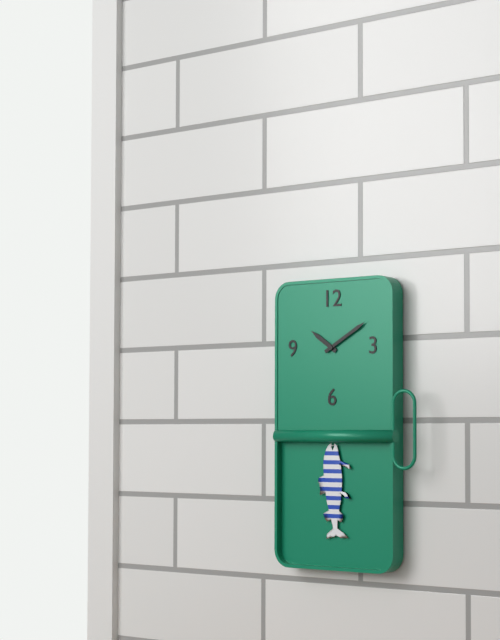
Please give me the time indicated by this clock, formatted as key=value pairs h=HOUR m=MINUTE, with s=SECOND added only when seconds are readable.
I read h=10 m=10
